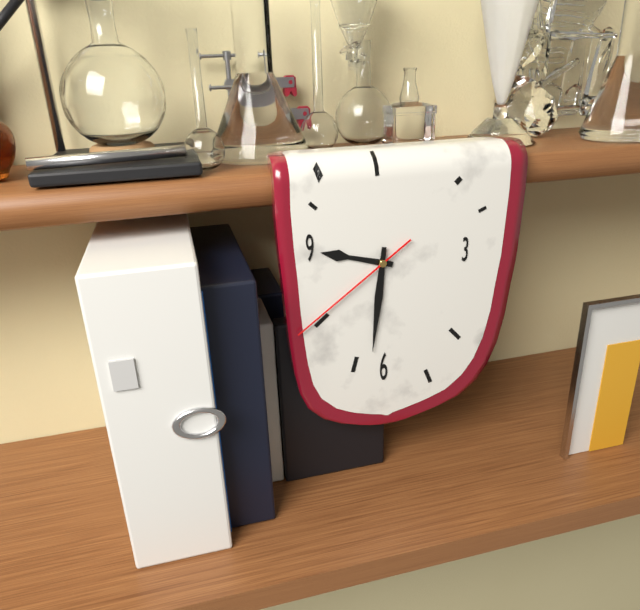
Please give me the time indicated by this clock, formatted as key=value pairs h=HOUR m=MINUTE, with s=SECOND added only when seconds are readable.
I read h=9 m=31 s=39
